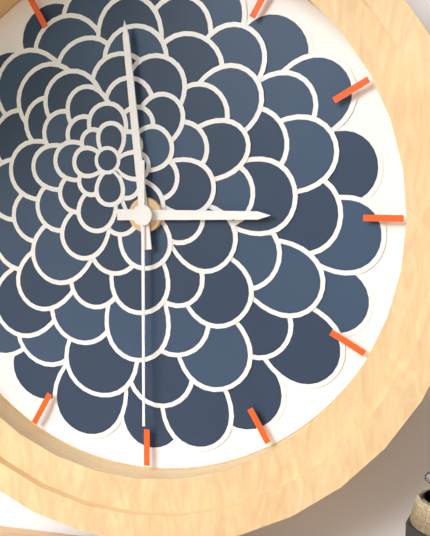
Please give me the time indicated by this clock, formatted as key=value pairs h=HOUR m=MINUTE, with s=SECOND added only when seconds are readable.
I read h=2 m=59 s=30
